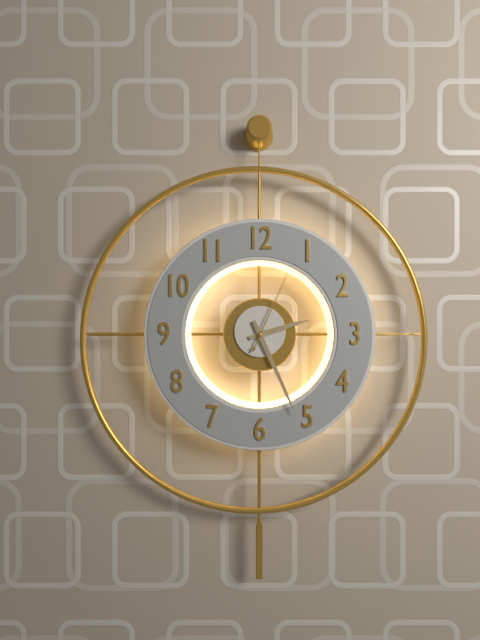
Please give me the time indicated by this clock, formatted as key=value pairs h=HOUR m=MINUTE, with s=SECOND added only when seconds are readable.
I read h=2 m=26 s=4
